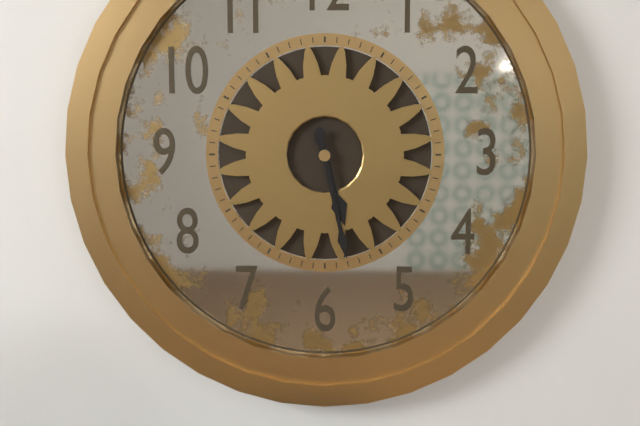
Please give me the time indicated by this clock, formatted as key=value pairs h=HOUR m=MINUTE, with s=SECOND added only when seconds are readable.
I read h=5 m=28
